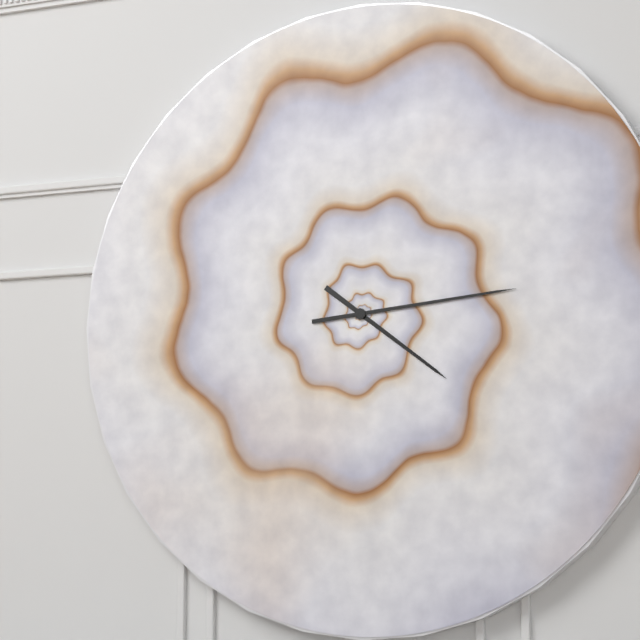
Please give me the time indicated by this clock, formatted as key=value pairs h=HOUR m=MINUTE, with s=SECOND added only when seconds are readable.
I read h=4 m=14
